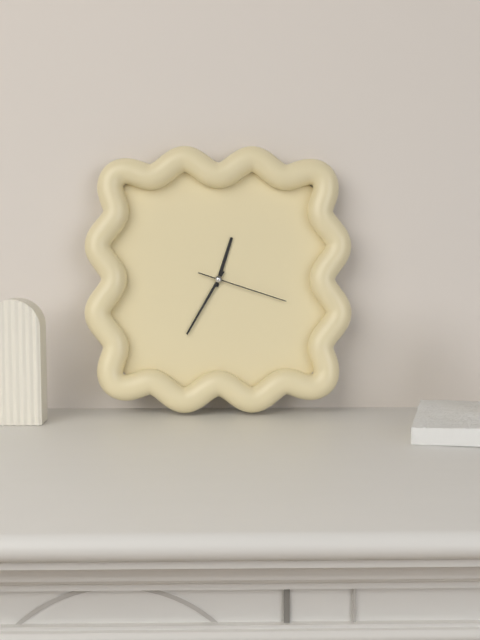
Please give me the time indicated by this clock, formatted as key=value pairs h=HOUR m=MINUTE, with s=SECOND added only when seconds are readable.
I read h=12 m=35 s=18
